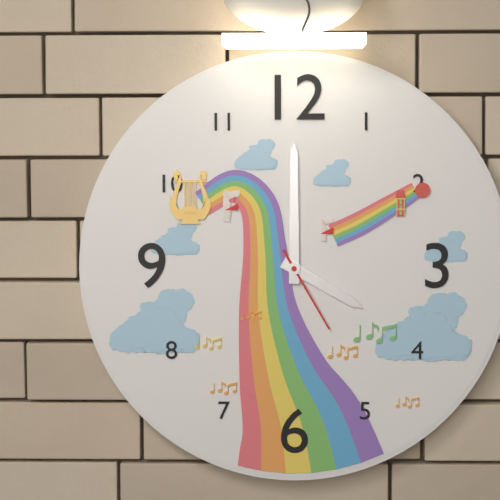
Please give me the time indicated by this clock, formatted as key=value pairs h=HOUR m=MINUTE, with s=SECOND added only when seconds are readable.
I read h=4 m=0 s=25
